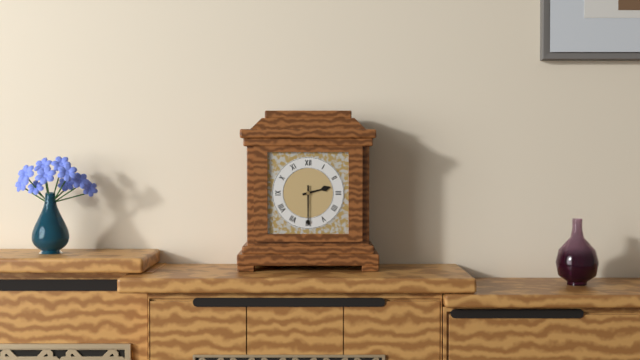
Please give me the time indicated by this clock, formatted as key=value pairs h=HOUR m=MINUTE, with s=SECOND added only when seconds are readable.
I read h=2 m=30
